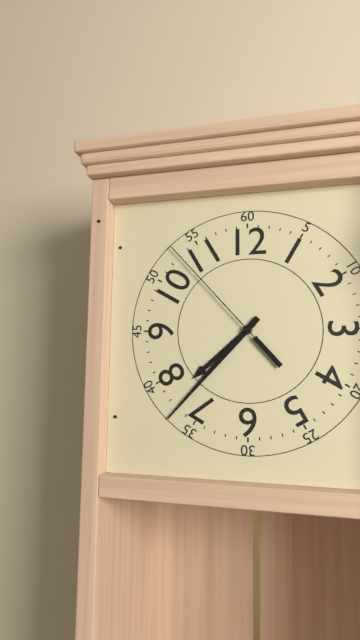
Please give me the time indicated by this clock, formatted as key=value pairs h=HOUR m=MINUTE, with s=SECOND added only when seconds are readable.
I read h=7 m=37 s=53
